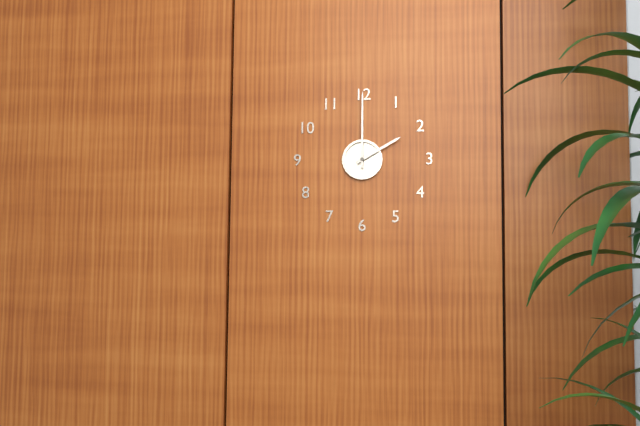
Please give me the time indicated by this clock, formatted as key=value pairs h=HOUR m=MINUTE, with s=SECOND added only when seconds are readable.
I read h=2 m=0
